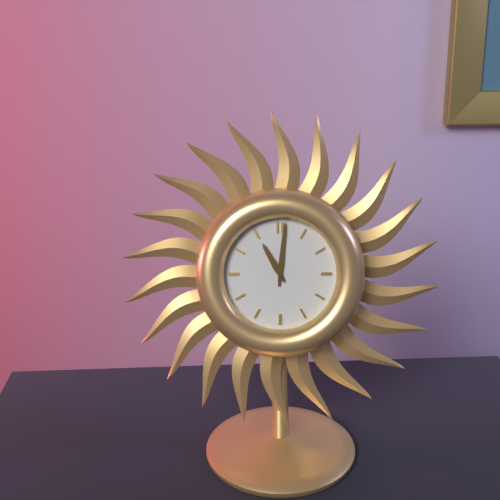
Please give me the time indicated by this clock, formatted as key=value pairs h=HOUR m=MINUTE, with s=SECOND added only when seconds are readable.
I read h=11 m=1
